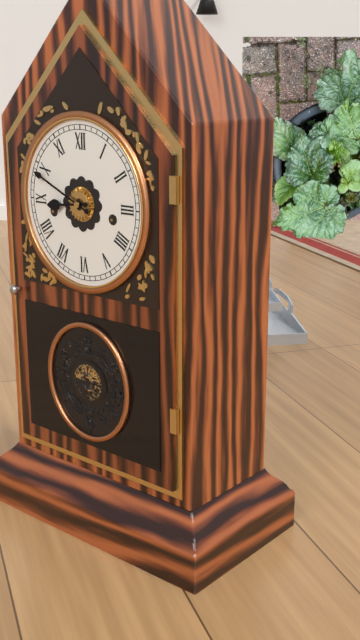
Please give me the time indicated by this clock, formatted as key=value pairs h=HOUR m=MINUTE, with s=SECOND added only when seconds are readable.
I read h=8 m=49
